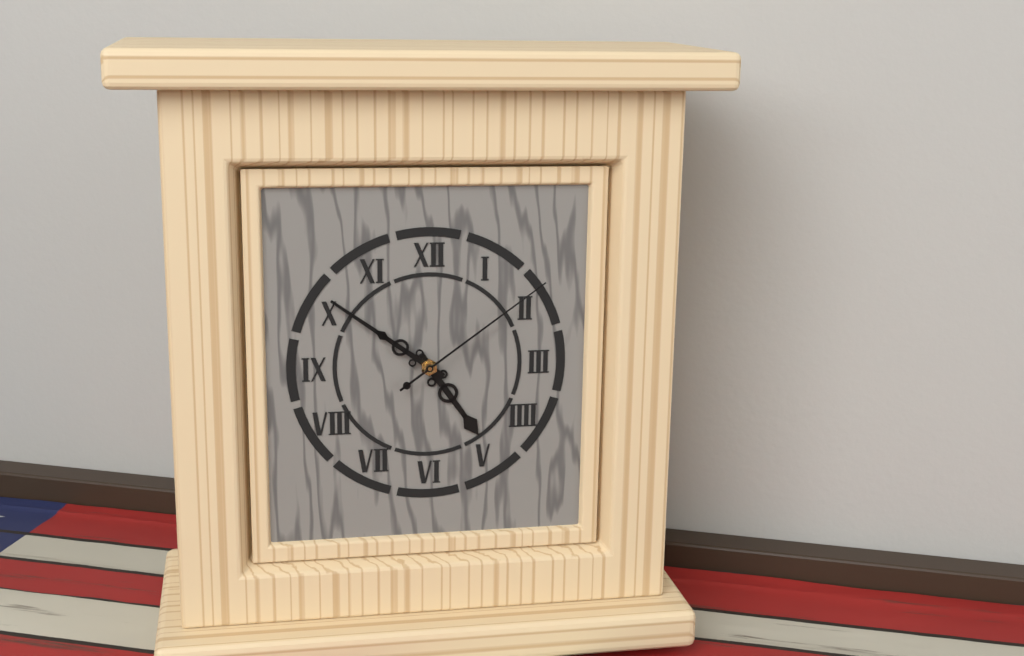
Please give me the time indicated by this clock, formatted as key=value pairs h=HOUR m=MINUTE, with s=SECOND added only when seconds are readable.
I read h=4 m=51 s=9
